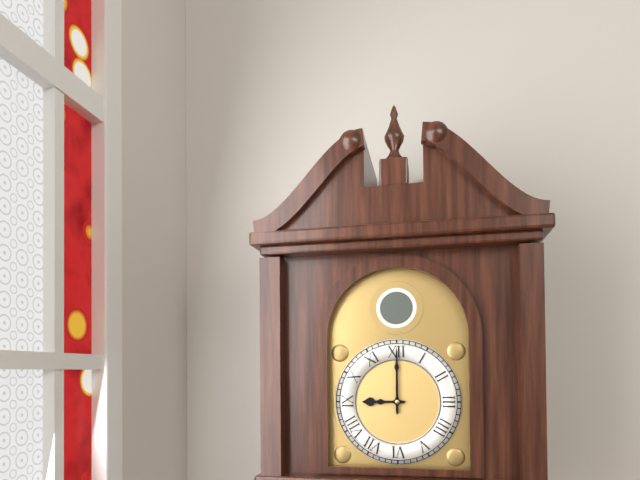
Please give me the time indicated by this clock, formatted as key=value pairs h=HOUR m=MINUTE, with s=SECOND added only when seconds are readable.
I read h=9 m=0
